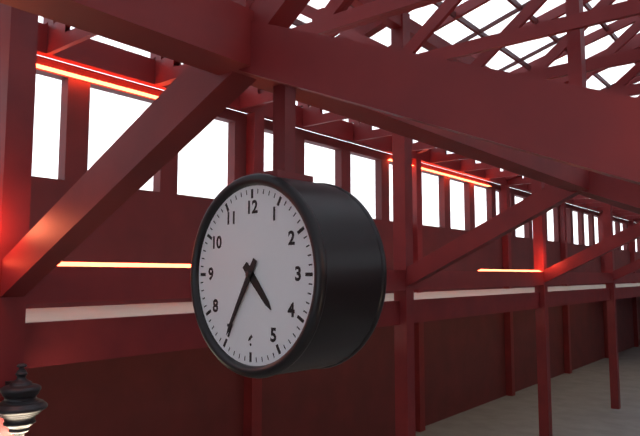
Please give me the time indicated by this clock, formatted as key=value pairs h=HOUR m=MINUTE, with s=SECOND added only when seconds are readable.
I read h=4 m=35
